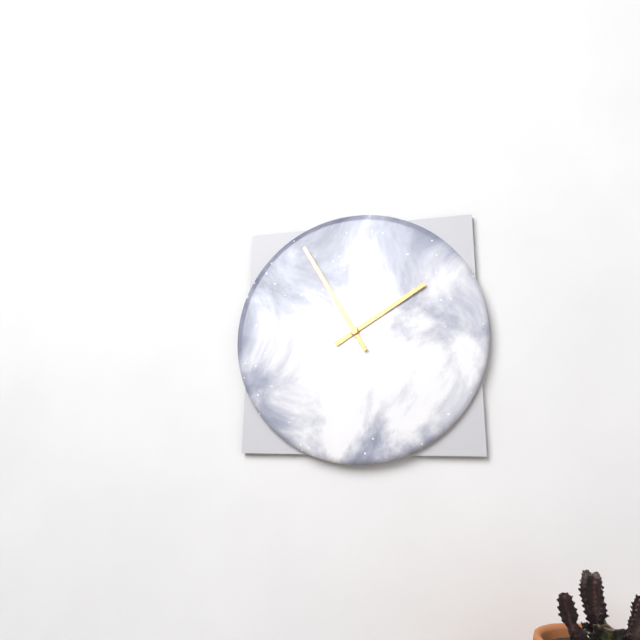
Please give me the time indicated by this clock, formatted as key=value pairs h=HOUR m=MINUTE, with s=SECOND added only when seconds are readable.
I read h=1 m=55
